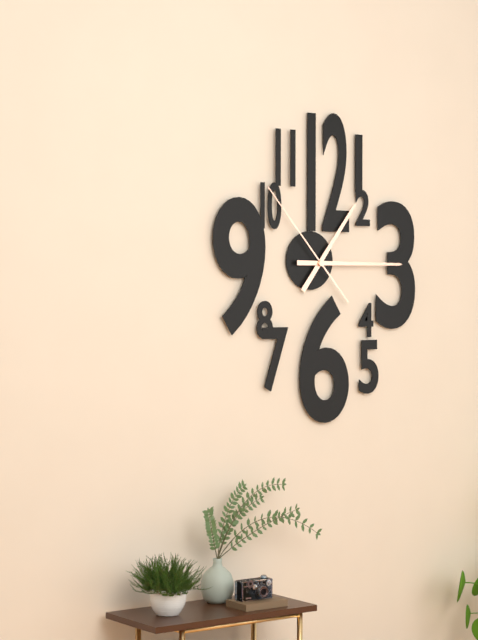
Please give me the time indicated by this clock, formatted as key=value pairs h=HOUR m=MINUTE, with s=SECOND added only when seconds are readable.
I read h=1 m=15 s=53
